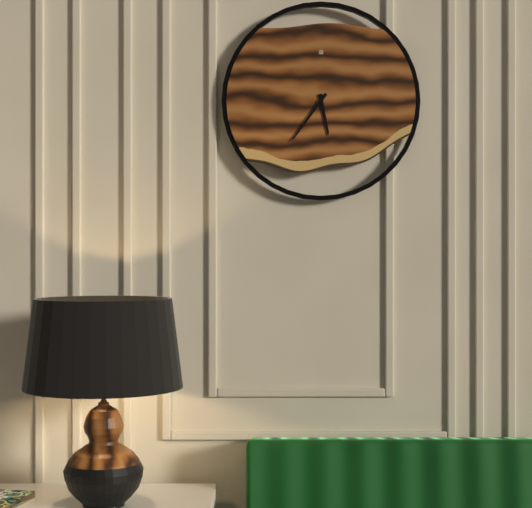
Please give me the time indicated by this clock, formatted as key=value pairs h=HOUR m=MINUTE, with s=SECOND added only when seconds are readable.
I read h=5 m=36
